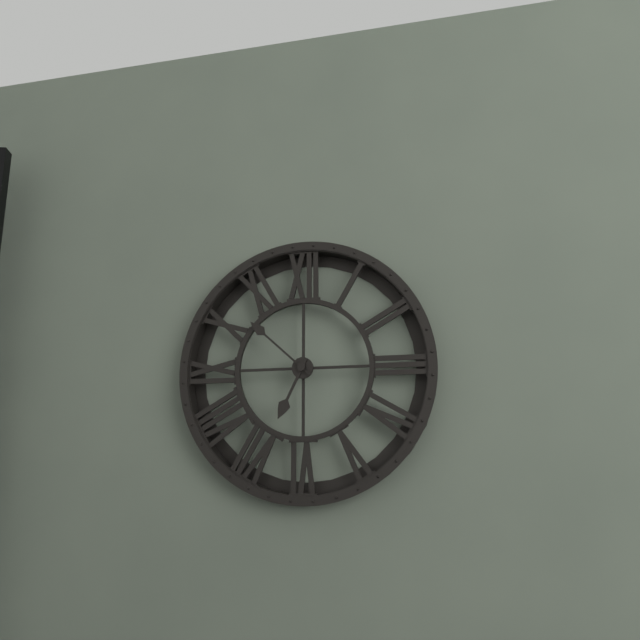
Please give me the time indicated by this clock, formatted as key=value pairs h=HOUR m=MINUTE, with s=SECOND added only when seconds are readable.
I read h=6 m=52
